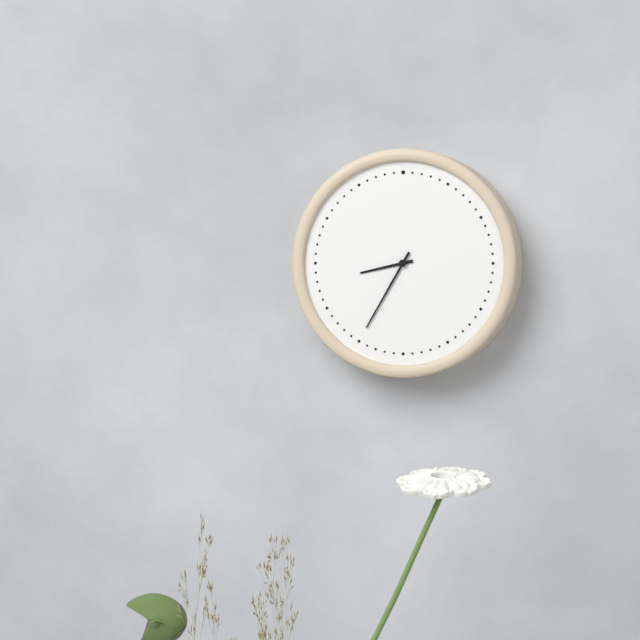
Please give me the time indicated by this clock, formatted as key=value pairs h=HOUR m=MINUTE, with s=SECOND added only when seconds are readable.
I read h=8 m=35
